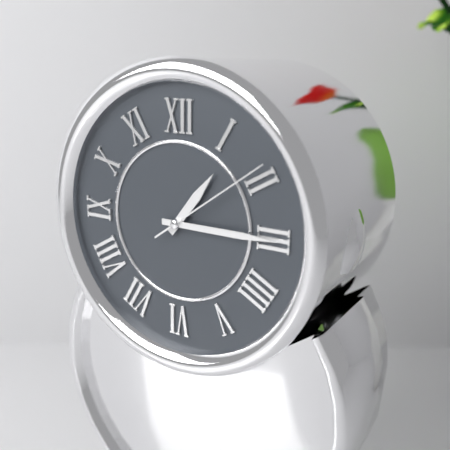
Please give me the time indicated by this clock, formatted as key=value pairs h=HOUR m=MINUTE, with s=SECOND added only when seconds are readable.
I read h=1 m=15 s=9
